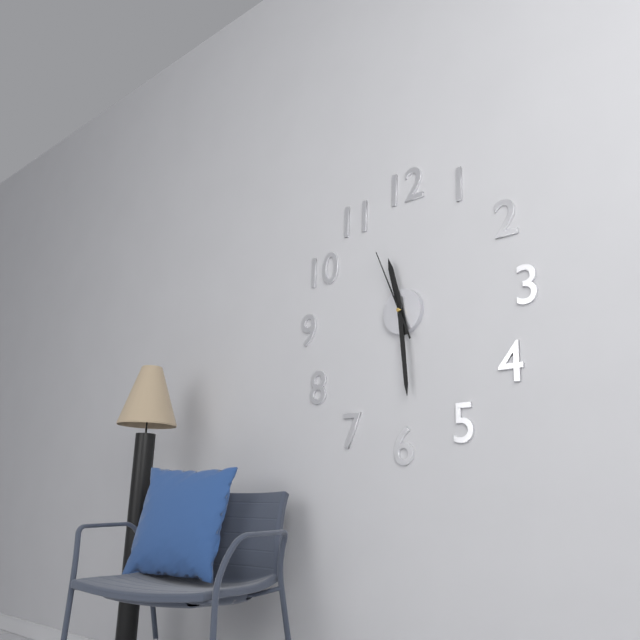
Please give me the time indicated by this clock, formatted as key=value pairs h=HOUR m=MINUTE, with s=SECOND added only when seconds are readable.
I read h=11 m=29 s=56
